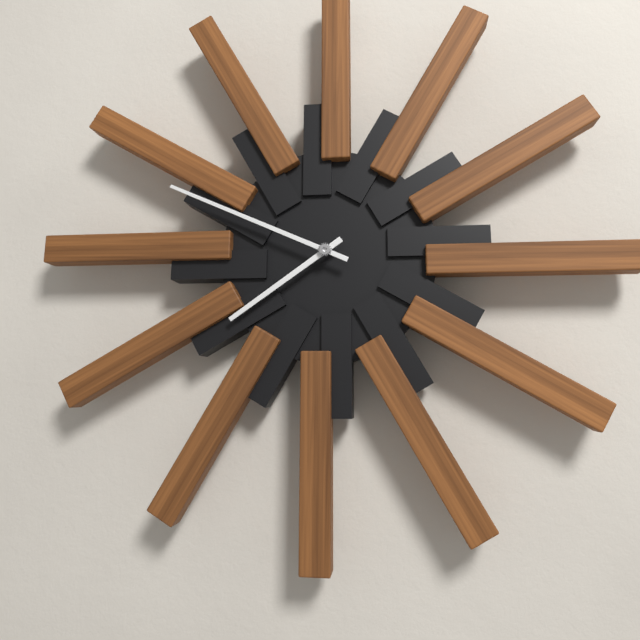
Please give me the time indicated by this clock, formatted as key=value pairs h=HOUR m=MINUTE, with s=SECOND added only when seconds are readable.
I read h=7 m=49
